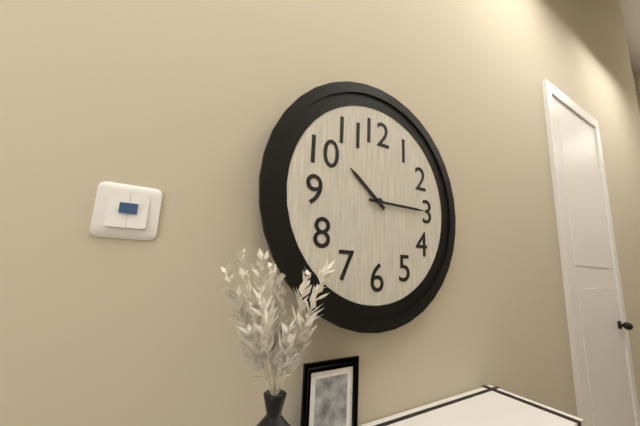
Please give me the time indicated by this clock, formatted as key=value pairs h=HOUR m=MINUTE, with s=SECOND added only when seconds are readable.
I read h=10 m=15
